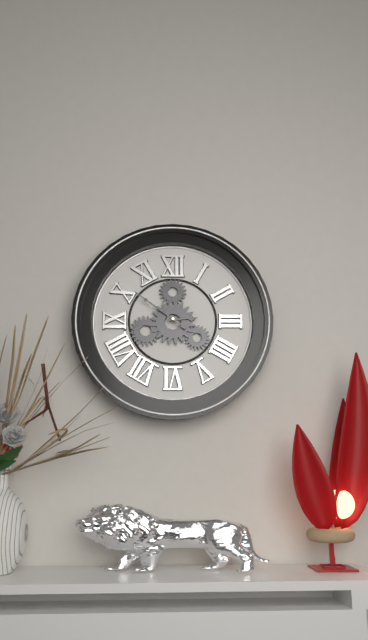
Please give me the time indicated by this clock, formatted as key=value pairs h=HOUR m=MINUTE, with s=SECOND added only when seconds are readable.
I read h=2 m=51
